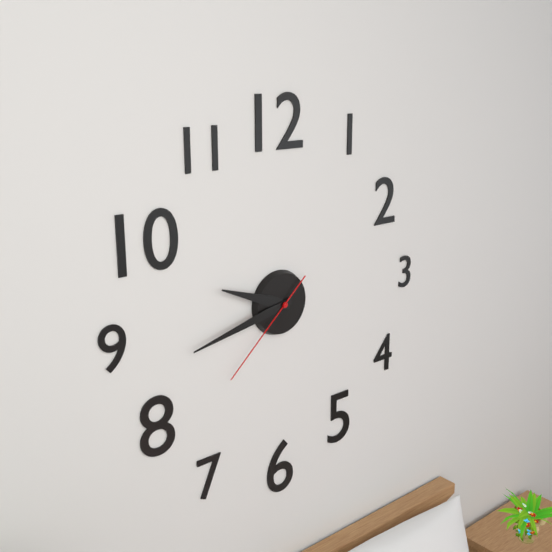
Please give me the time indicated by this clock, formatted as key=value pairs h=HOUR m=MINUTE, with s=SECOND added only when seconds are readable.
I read h=9 m=43 s=38
